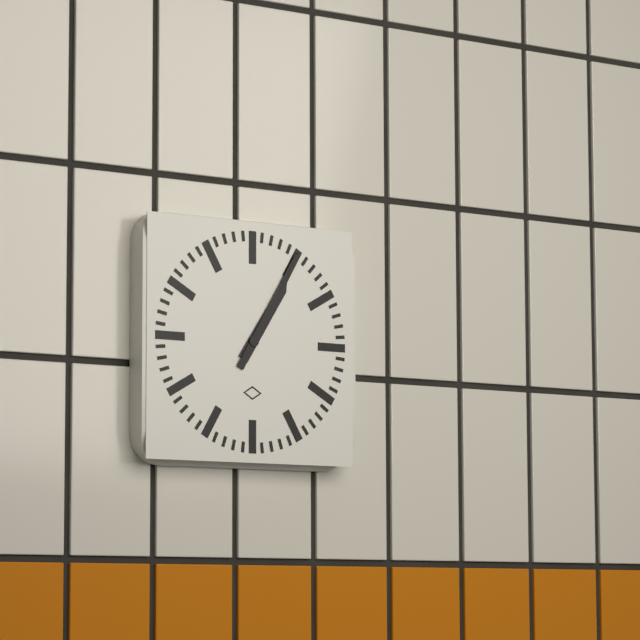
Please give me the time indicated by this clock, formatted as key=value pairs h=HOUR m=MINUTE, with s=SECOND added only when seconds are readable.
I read h=1 m=5
